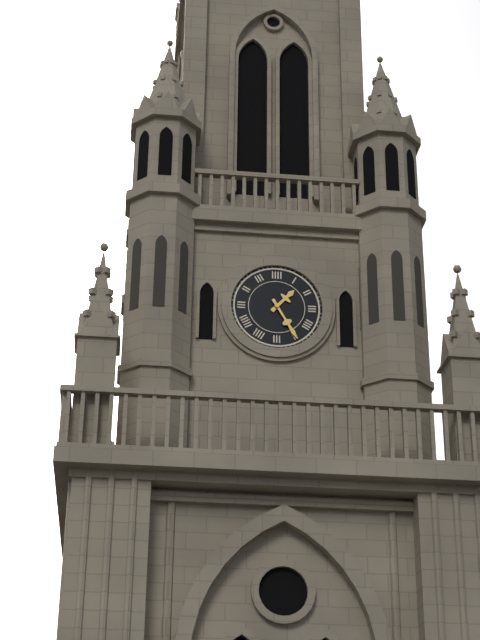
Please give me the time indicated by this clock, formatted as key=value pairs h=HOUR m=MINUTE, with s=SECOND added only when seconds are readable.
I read h=1 m=25
